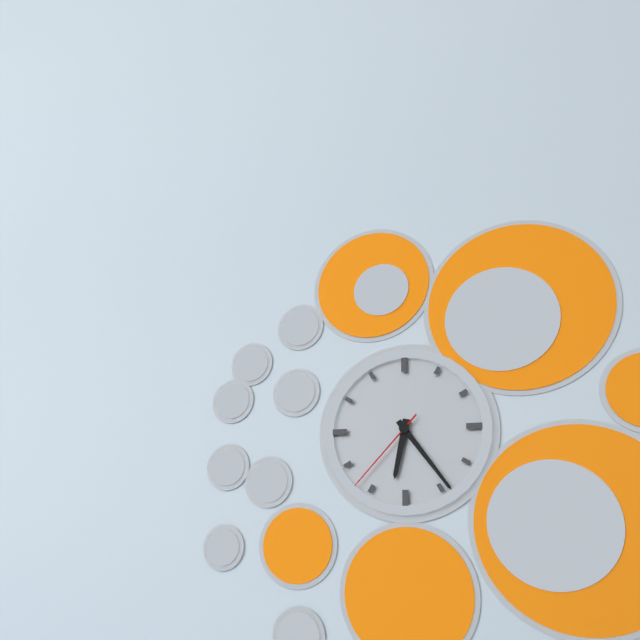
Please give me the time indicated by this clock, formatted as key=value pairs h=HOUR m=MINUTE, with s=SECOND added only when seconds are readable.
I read h=6 m=24 s=37
